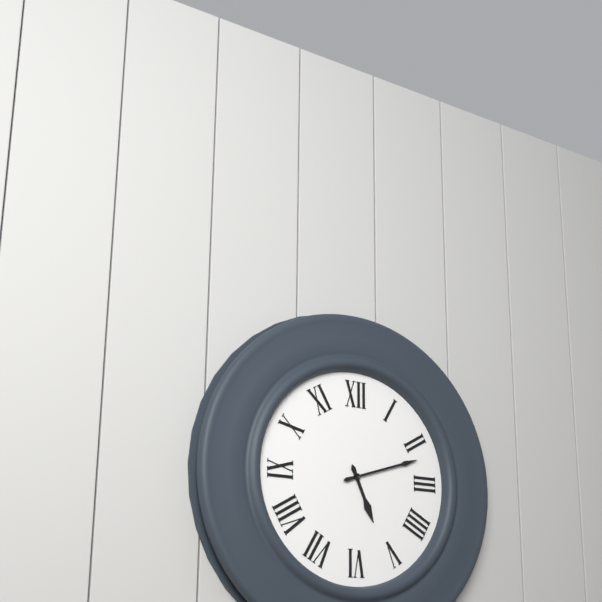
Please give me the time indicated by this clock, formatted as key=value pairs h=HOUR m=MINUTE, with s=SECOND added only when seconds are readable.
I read h=5 m=12
